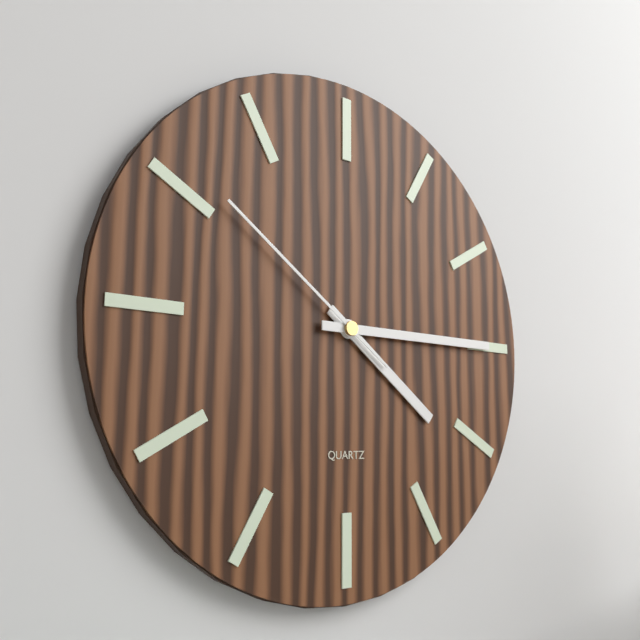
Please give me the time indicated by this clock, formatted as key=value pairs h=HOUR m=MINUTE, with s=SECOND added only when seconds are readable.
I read h=4 m=15 s=51
